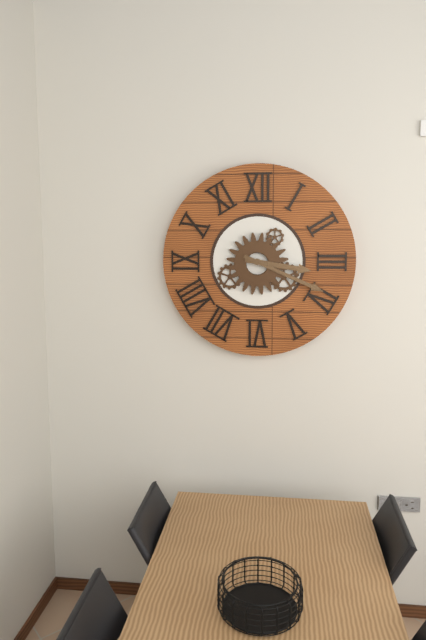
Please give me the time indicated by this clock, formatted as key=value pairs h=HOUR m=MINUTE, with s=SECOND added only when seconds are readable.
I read h=3 m=19
